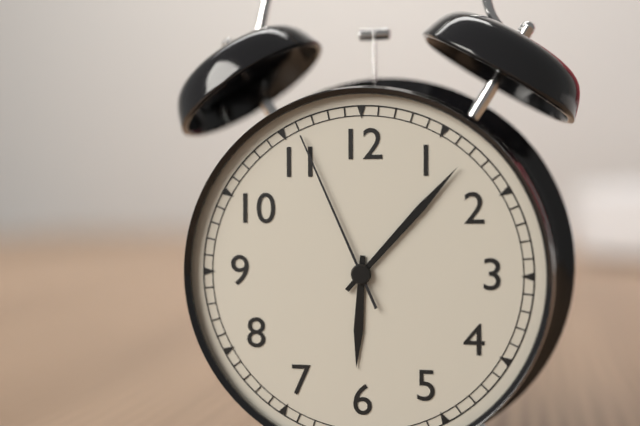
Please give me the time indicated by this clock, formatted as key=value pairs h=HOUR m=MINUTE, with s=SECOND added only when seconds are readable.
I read h=6 m=7 s=56
